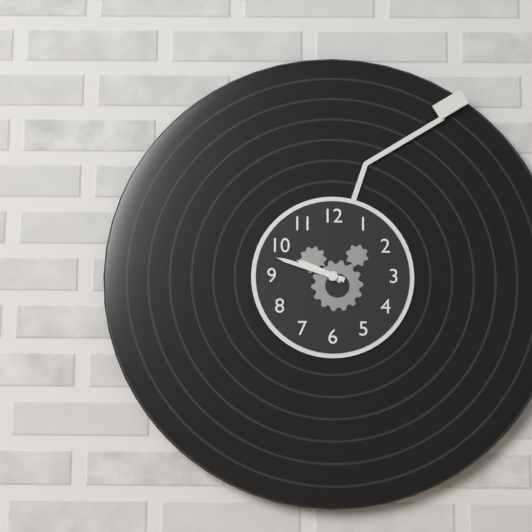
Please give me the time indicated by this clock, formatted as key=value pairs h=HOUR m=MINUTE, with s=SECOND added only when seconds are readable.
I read h=9 m=48
